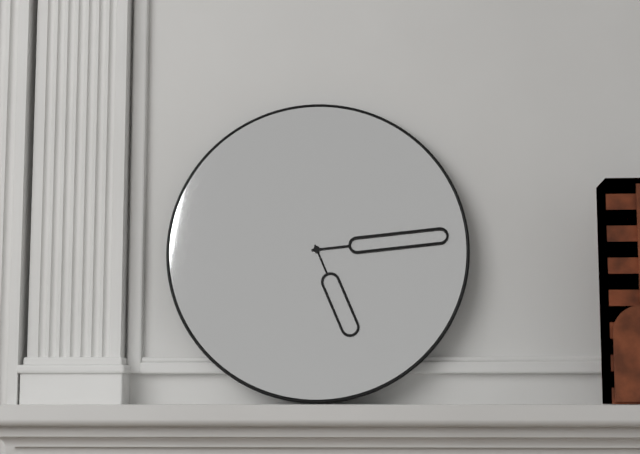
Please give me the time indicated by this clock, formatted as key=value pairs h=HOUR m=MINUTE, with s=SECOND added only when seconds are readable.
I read h=5 m=14
